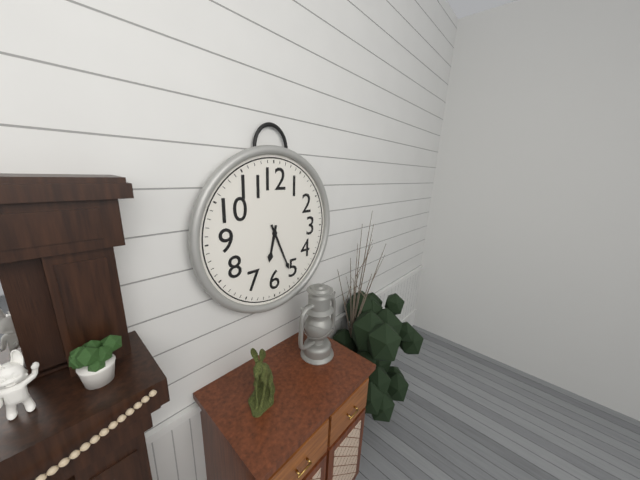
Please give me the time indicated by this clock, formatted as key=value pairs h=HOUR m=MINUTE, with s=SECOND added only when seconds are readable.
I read h=6 m=26
